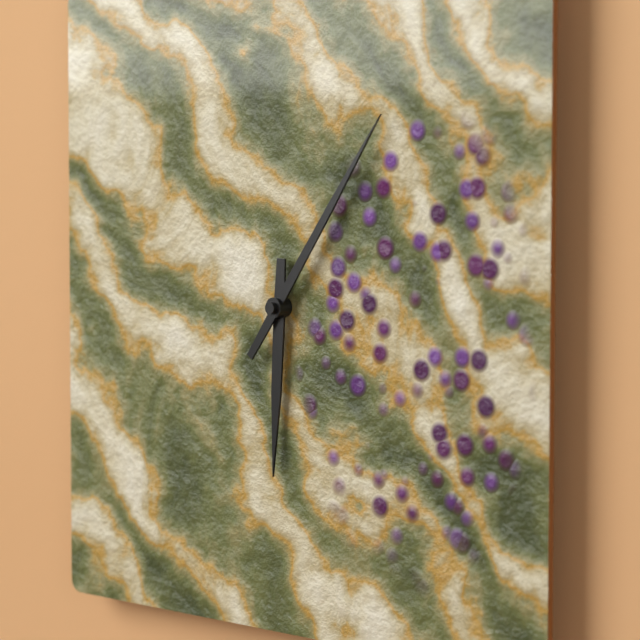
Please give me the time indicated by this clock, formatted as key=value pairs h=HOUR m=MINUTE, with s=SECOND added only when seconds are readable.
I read h=6 m=6
